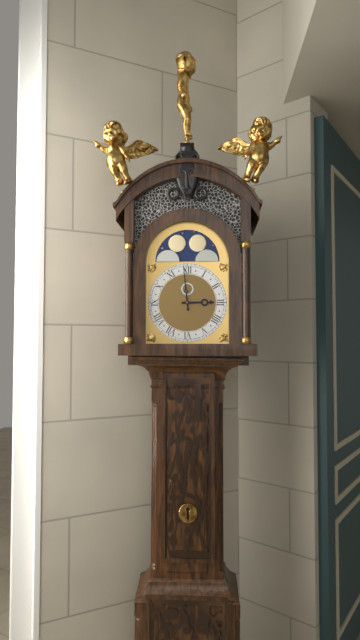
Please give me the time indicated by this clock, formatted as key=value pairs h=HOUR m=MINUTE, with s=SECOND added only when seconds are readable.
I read h=2 m=59
